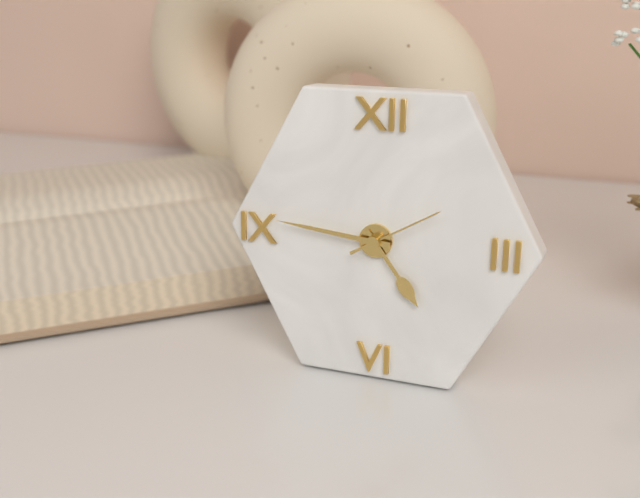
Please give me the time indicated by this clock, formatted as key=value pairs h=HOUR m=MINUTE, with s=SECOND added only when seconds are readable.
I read h=4 m=46 s=10
